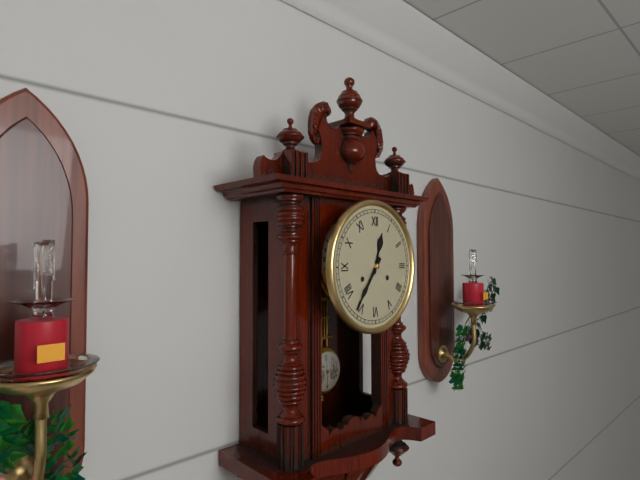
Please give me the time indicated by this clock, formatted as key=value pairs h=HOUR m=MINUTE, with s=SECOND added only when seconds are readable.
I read h=12 m=36
